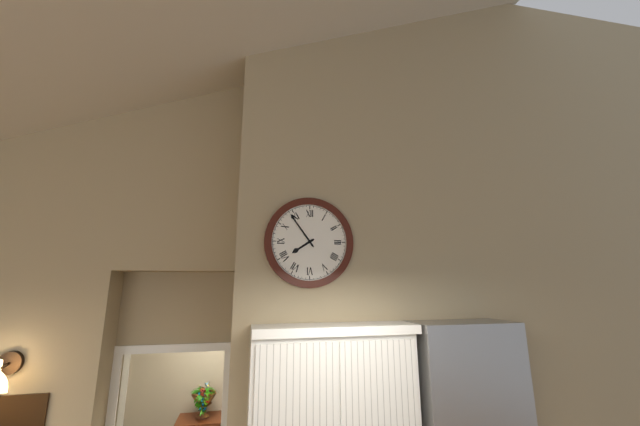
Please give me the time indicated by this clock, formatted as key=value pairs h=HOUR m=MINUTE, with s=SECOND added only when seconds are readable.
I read h=7 m=54
